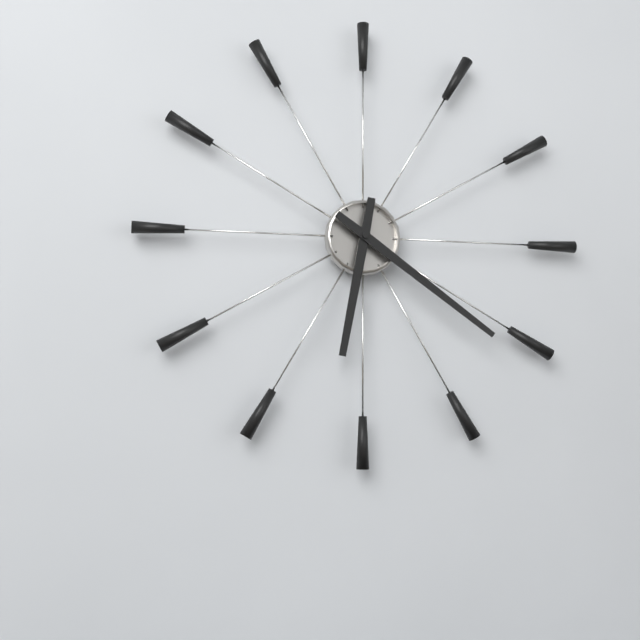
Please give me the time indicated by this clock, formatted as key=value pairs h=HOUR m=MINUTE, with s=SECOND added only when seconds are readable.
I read h=6 m=21
